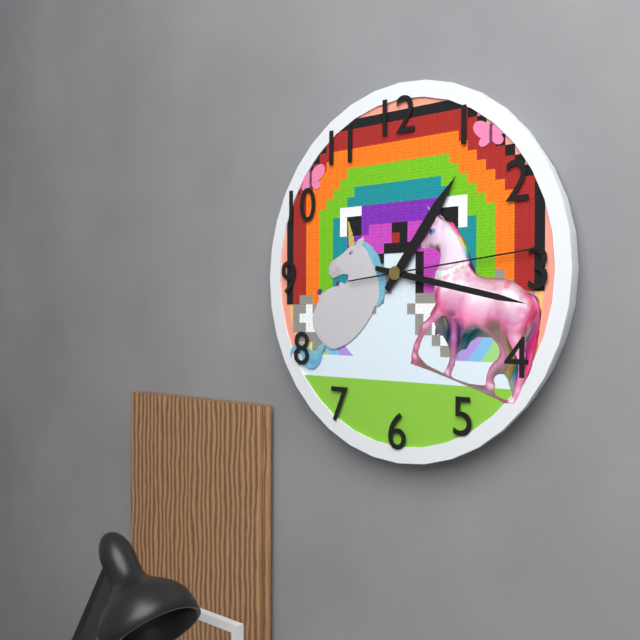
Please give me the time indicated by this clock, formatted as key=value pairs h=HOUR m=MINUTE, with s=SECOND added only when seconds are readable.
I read h=1 m=17 s=14
